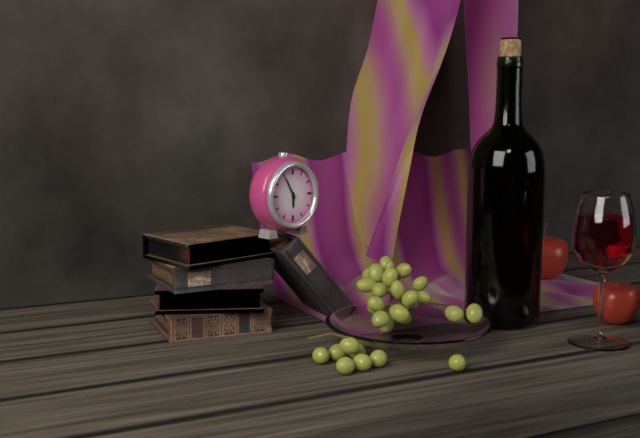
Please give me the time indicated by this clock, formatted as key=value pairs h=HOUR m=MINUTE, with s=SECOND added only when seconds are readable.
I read h=5 m=55
